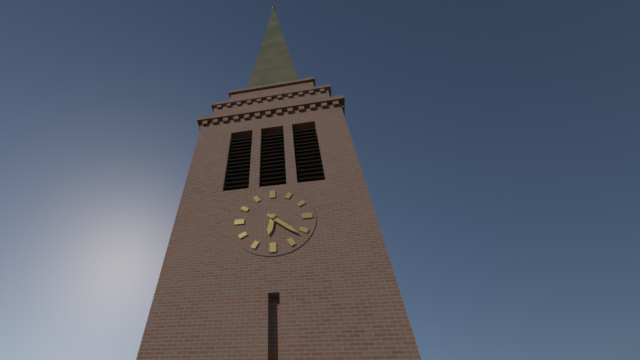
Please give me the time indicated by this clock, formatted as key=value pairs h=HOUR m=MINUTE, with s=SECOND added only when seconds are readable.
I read h=6 m=22
